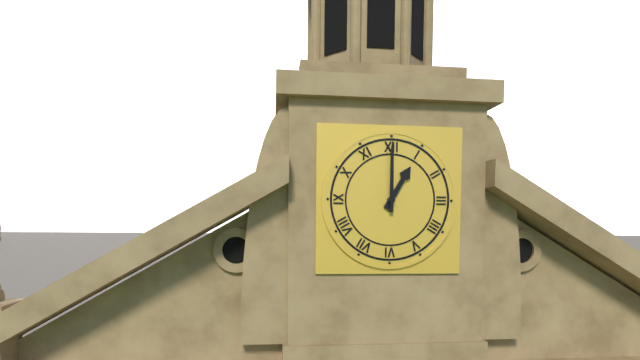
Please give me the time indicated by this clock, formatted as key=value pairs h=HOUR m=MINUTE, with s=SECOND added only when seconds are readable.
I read h=1 m=0
